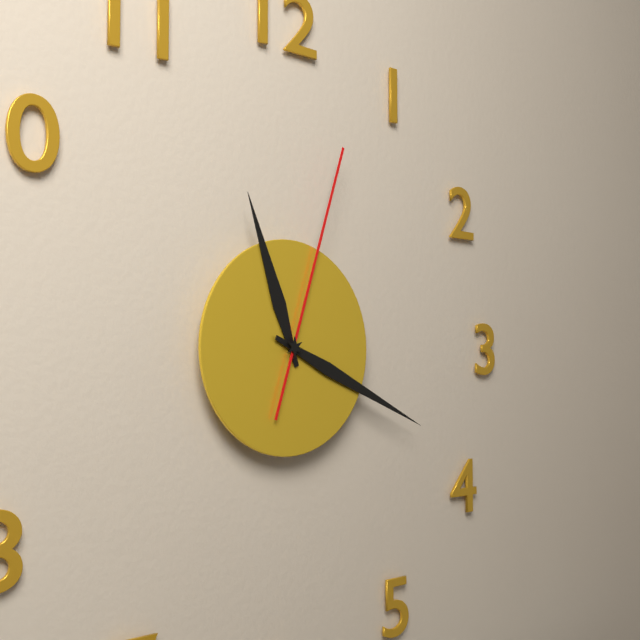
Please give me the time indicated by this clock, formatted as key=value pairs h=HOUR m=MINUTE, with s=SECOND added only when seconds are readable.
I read h=11 m=19 s=3
